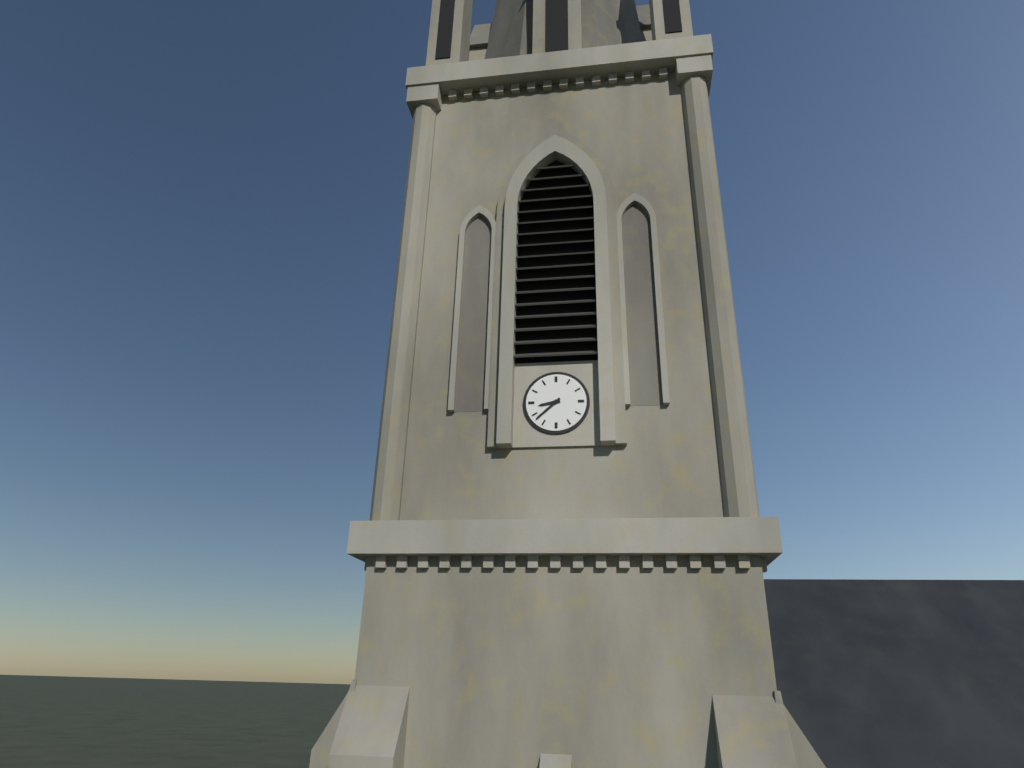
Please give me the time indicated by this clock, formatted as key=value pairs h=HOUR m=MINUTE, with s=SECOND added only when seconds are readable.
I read h=8 m=38
